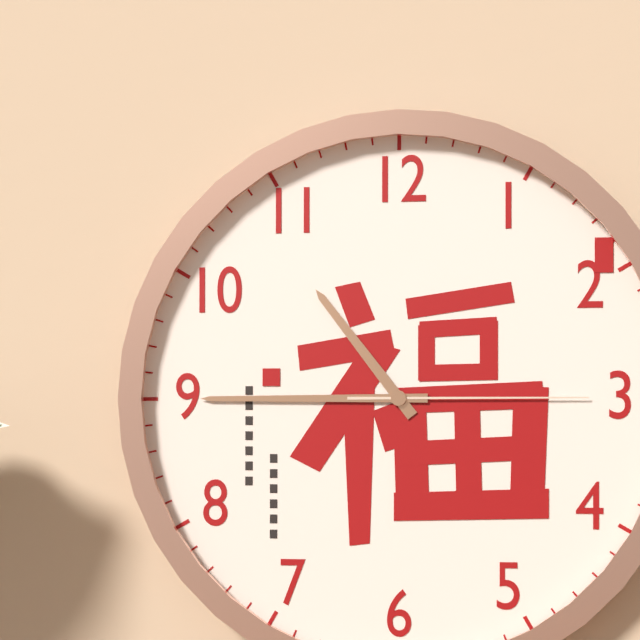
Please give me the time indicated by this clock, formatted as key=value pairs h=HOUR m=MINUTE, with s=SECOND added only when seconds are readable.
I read h=10 m=45 s=15
